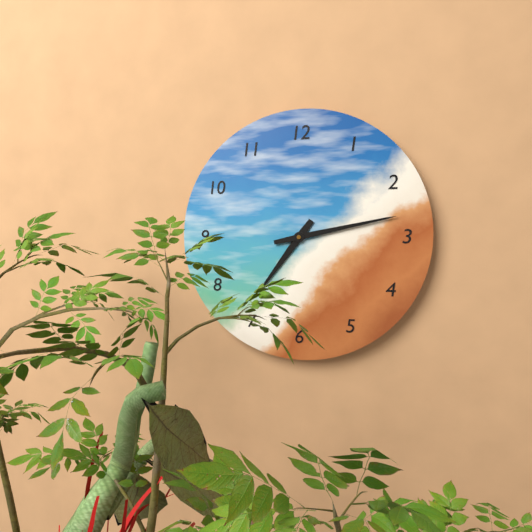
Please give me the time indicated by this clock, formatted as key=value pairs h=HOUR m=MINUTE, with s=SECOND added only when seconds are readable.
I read h=7 m=13
